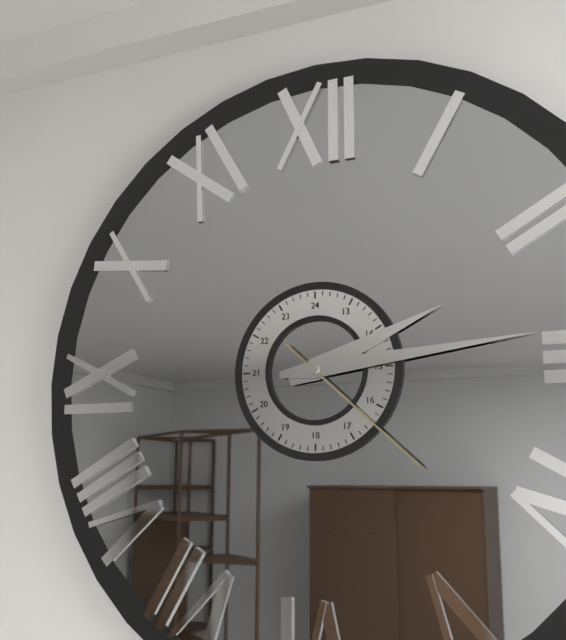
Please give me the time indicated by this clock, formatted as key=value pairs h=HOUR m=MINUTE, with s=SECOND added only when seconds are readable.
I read h=2 m=14 s=22
